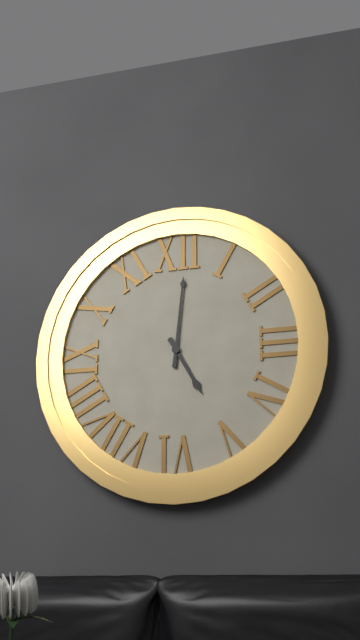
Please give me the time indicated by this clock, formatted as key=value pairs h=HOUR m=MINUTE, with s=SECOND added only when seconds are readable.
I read h=5 m=1
